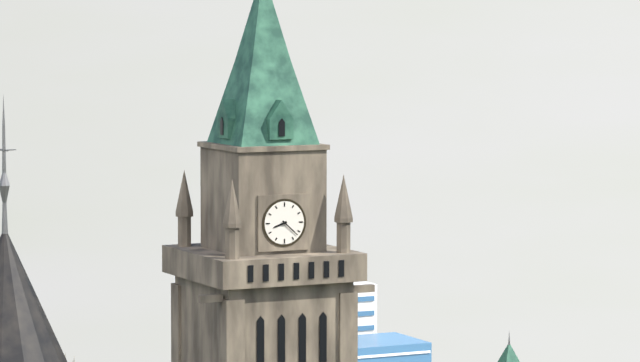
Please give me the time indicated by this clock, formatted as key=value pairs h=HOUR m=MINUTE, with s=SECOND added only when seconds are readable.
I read h=8 m=22
